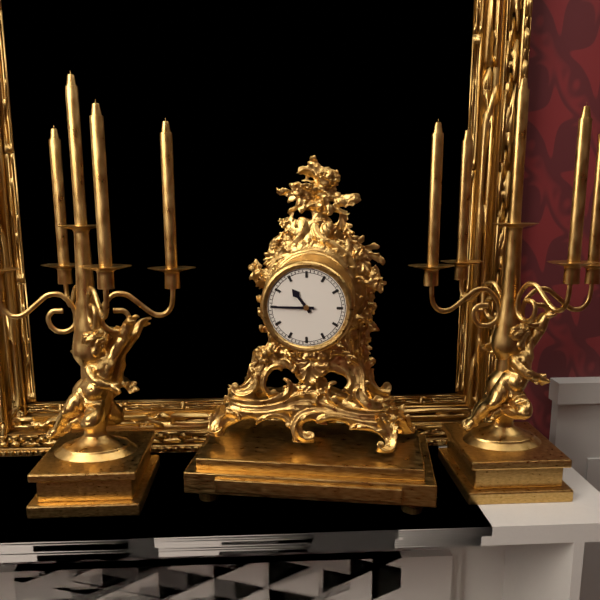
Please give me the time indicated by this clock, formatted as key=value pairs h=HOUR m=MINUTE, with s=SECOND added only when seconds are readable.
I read h=10 m=45
